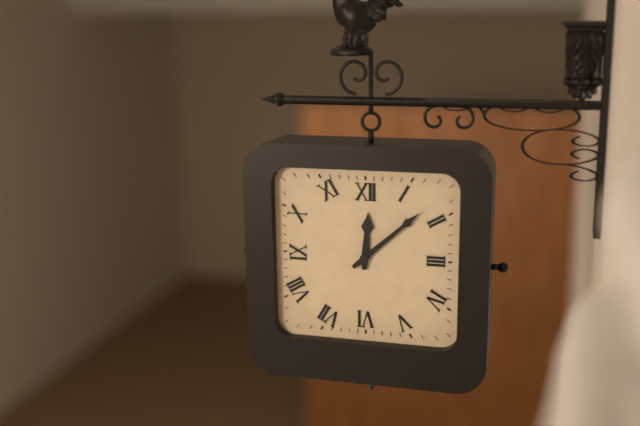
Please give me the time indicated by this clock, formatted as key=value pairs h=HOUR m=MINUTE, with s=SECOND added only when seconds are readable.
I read h=12 m=8
